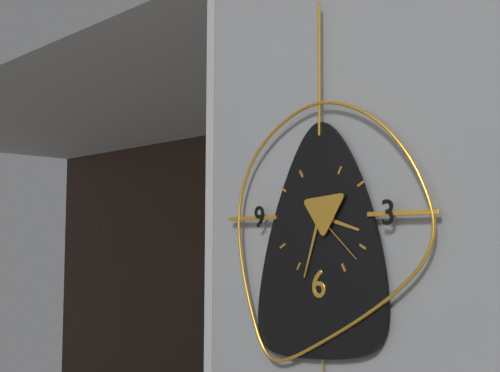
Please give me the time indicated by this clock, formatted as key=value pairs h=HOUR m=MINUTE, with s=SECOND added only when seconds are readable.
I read h=3 m=33 s=22
